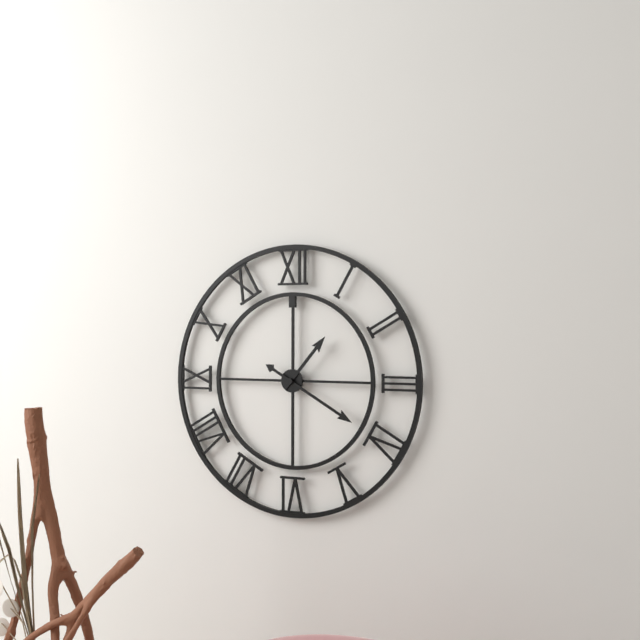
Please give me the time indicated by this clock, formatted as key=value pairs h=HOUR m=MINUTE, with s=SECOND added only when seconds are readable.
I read h=1 m=20
